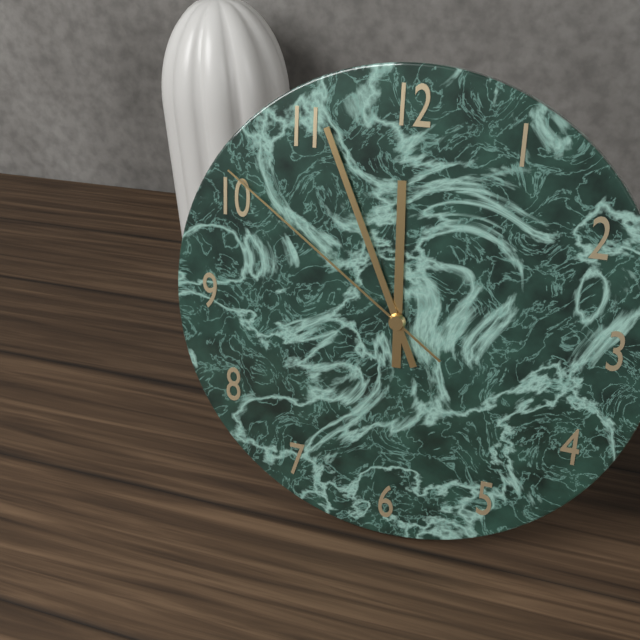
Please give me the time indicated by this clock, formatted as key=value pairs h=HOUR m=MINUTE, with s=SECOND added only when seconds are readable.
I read h=11 m=56 s=51
